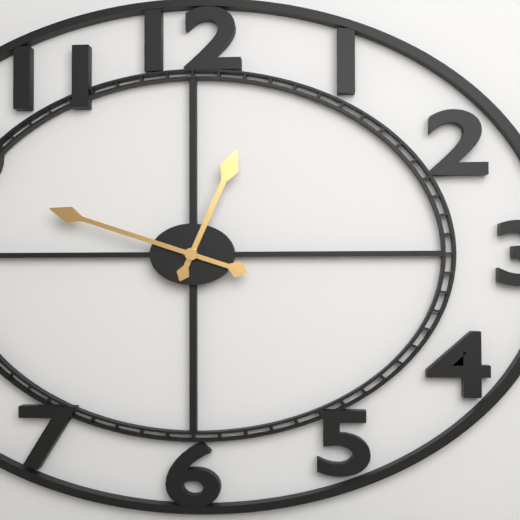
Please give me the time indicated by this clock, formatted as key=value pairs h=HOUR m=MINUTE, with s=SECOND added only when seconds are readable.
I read h=12 m=48
